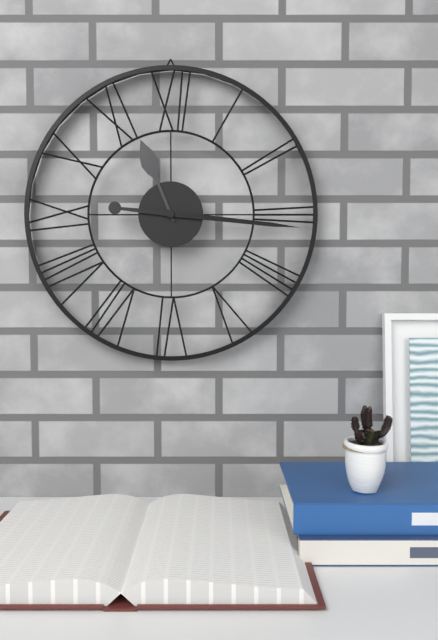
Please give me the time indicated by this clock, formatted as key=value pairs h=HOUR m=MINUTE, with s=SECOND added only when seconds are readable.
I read h=11 m=16
